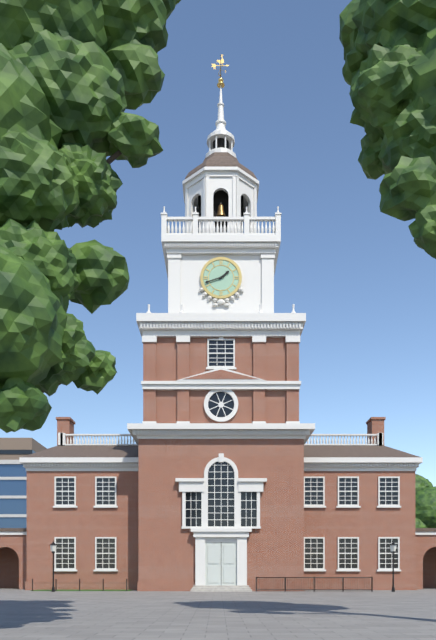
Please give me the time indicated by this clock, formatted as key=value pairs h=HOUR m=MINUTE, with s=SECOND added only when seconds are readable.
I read h=1 m=42
